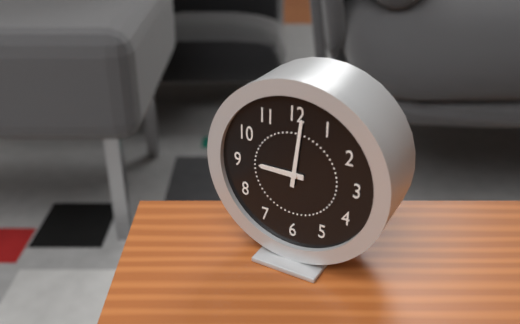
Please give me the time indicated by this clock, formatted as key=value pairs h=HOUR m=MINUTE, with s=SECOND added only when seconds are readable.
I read h=9 m=1
